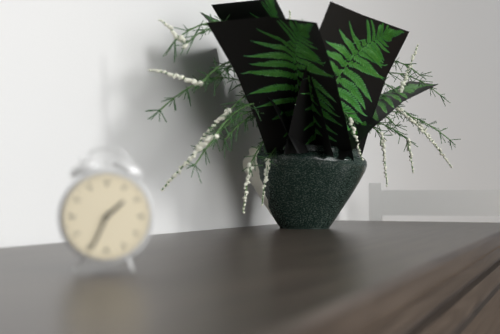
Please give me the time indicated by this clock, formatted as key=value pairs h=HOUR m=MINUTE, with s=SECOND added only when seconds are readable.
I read h=1 m=34
